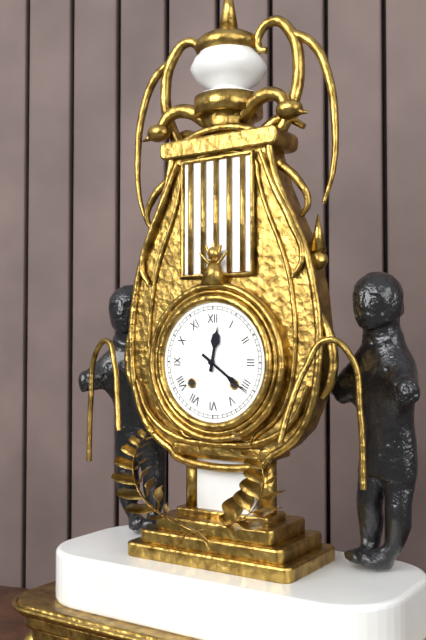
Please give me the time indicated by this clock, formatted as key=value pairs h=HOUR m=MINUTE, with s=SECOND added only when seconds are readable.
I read h=12 m=21
